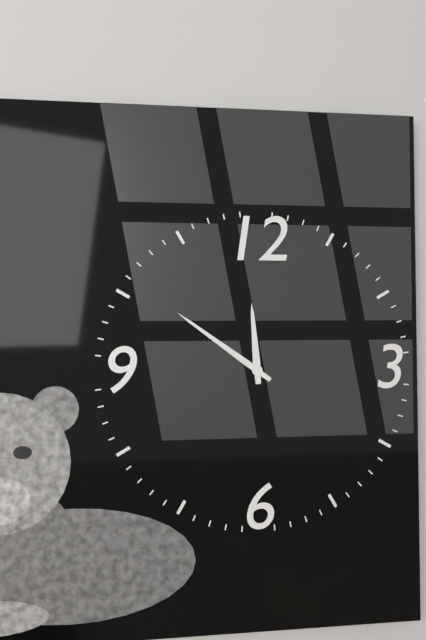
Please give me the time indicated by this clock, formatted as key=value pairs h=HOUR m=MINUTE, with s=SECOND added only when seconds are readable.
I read h=11 m=51
